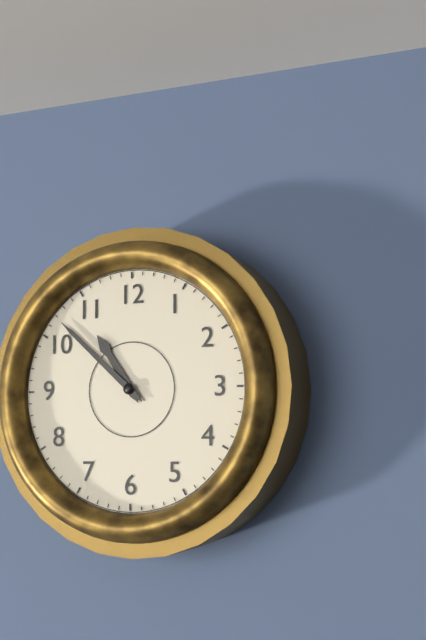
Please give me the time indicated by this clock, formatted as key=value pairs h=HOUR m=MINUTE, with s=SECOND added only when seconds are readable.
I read h=10 m=52
